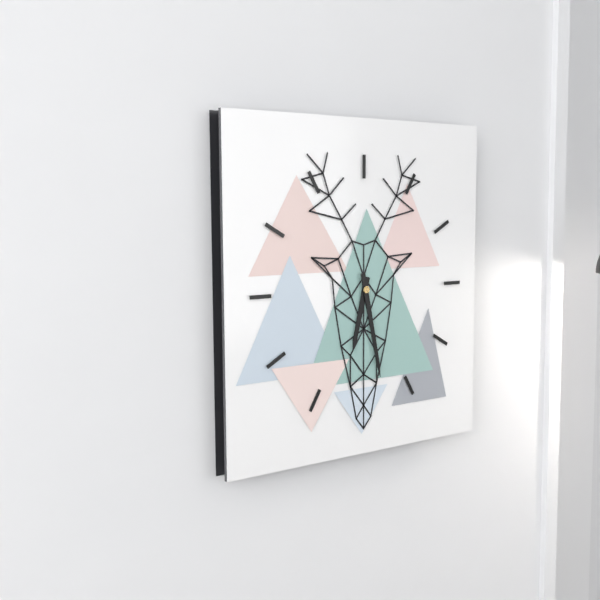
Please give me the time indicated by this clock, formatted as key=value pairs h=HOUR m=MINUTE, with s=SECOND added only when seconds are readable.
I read h=6 m=28
